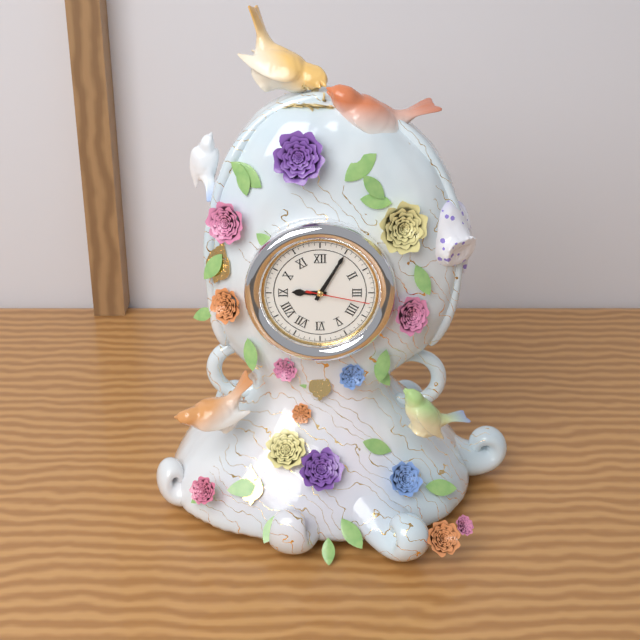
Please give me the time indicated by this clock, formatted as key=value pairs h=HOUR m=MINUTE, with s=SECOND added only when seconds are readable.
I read h=9 m=5 s=17
